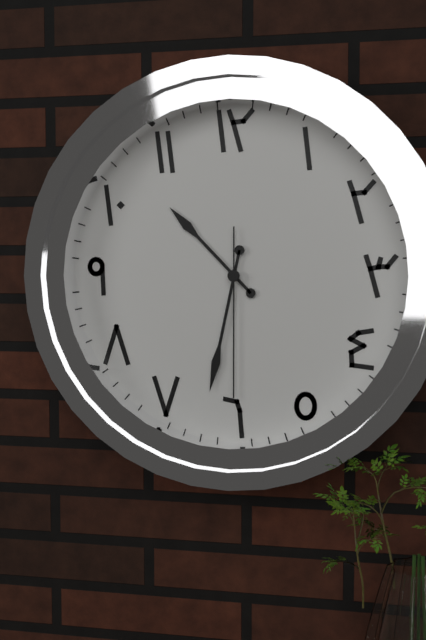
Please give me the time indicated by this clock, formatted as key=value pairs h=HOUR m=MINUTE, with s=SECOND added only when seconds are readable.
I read h=10 m=32 s=30
